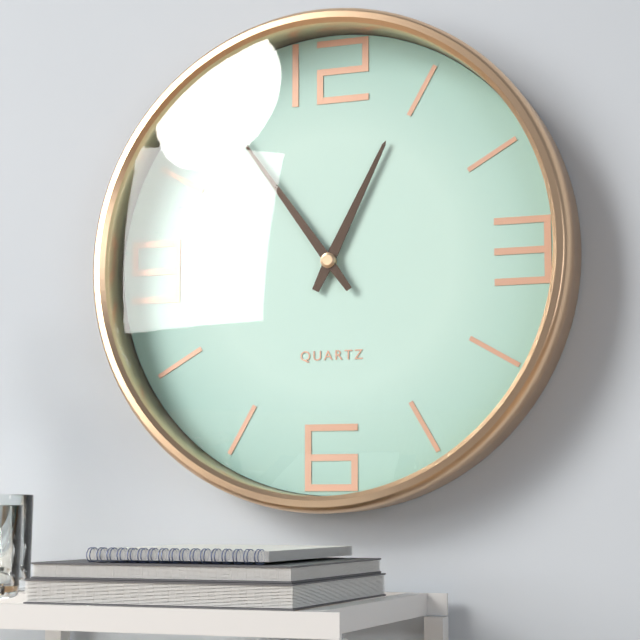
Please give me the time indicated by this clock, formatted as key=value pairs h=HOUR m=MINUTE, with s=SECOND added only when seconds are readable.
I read h=12 m=54
